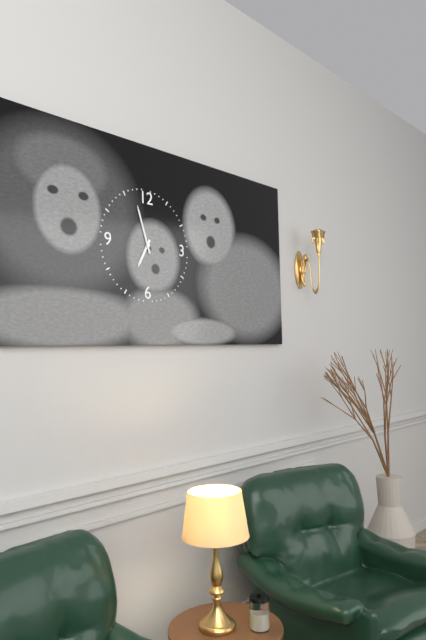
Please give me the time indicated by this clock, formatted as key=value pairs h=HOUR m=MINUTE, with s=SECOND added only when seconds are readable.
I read h=6 m=57
